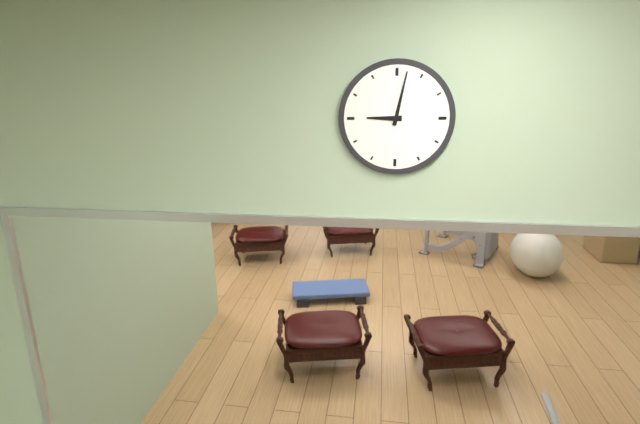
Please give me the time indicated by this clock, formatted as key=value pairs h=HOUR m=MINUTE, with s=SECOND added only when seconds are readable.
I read h=9 m=2
